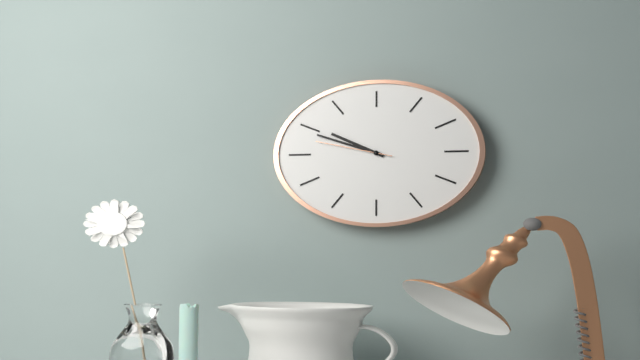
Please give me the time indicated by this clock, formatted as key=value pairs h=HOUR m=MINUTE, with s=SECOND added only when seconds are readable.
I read h=9 m=48 s=47
